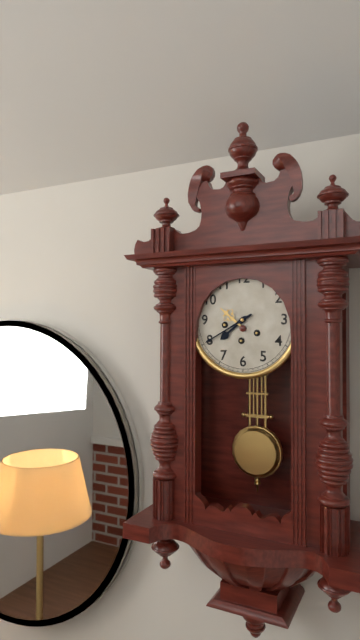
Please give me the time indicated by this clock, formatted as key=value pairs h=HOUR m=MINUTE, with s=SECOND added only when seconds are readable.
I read h=7 m=40
